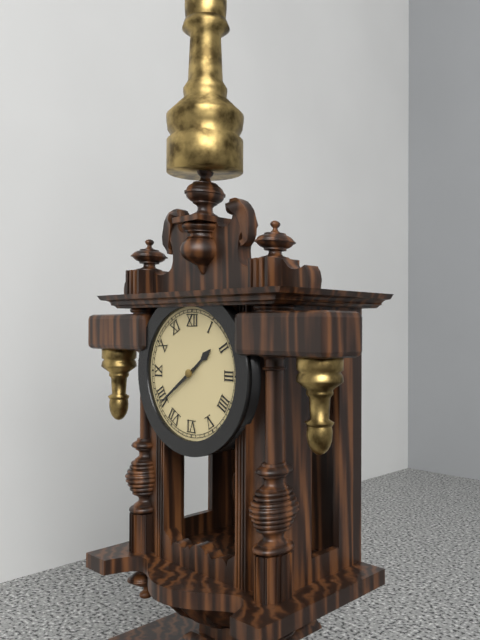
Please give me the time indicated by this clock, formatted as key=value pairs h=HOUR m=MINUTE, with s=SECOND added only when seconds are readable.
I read h=1 m=39
